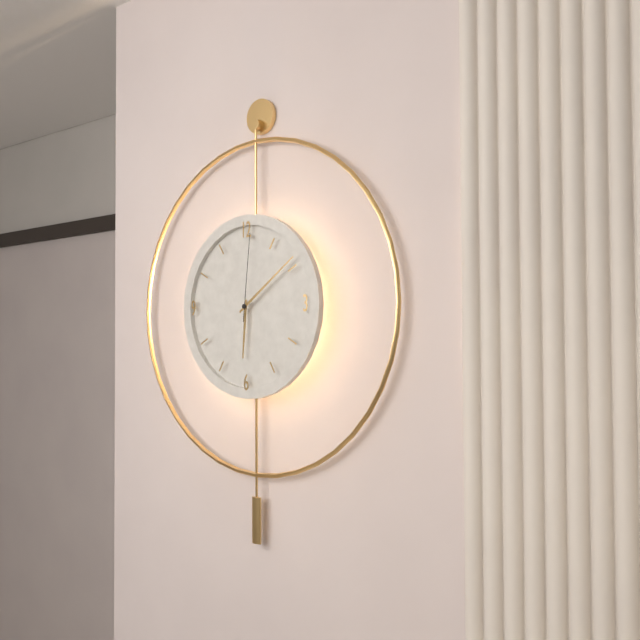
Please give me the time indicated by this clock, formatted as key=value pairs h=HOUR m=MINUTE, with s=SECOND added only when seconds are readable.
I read h=6 m=9 s=1
